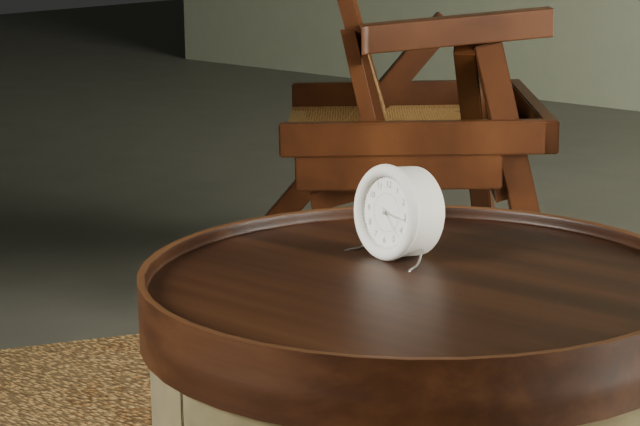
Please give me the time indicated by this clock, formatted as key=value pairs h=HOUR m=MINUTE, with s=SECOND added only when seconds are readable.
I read h=3 m=16
